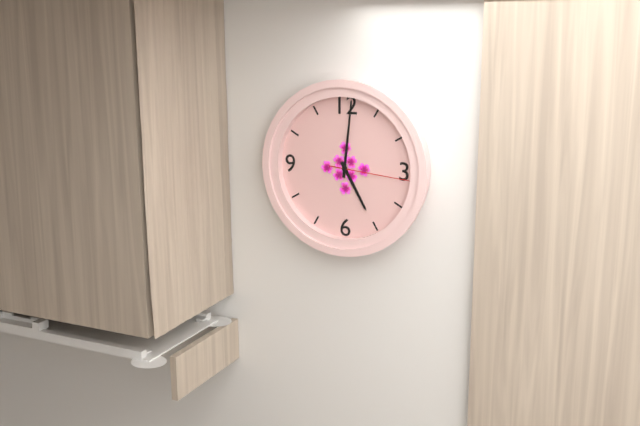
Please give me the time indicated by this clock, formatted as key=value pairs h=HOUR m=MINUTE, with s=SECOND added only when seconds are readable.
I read h=5 m=1 s=16
